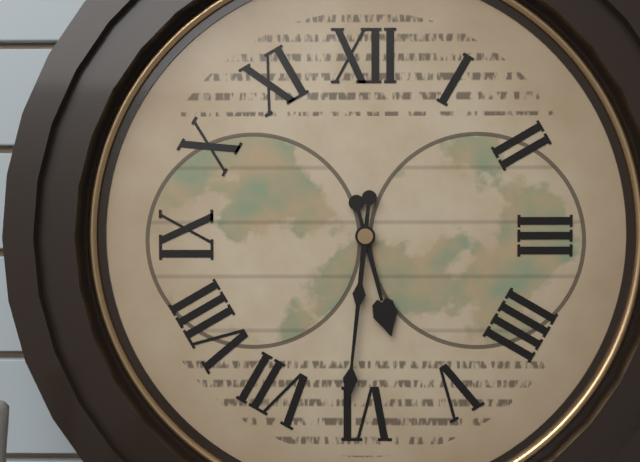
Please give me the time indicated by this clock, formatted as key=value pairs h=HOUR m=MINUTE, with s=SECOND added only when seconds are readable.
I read h=5 m=31
